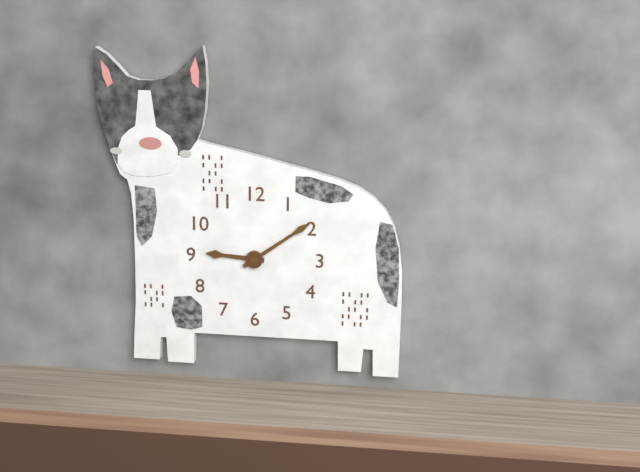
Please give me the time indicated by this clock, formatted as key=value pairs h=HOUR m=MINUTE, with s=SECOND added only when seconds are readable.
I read h=9 m=9
